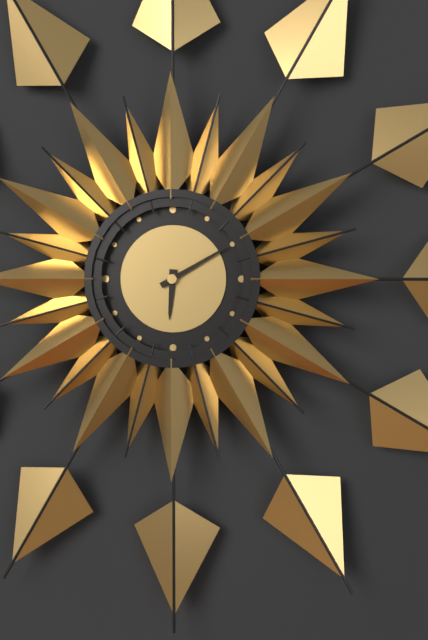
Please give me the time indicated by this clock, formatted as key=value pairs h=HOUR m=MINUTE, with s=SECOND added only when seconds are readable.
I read h=6 m=10
